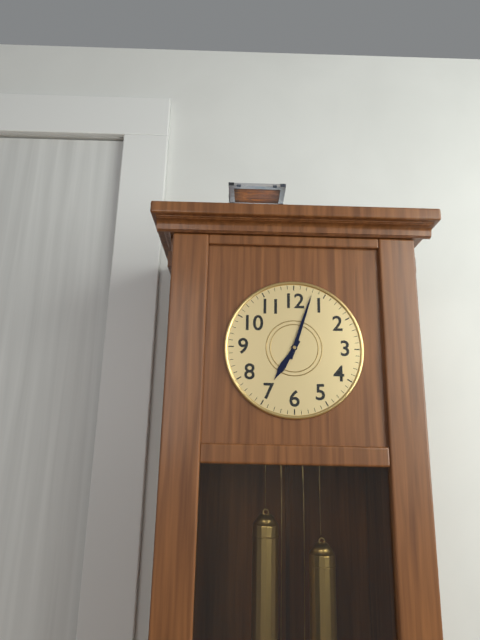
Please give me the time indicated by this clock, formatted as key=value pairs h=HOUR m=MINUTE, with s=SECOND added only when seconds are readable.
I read h=7 m=3
